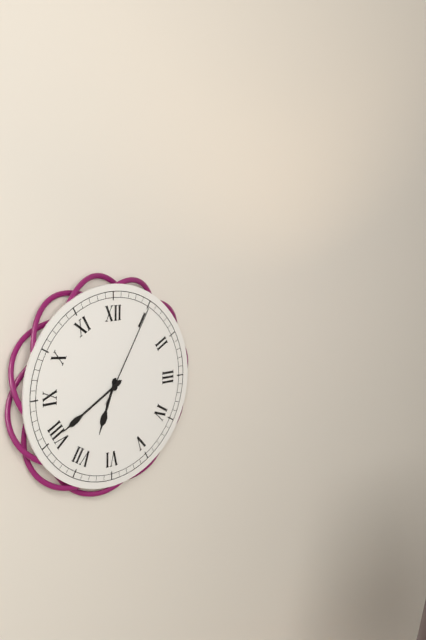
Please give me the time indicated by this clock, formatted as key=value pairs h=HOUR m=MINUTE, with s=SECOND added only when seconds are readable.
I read h=6 m=40 s=5
